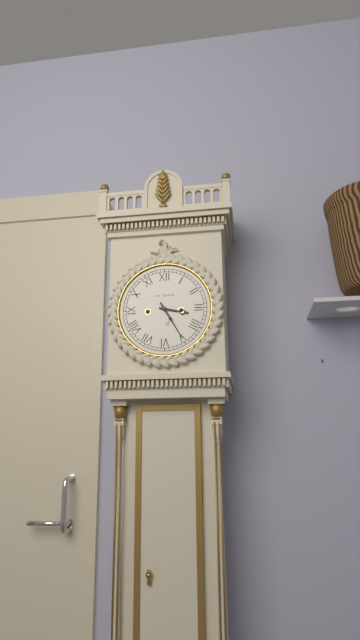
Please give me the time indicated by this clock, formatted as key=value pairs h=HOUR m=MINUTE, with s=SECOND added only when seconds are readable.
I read h=3 m=25
